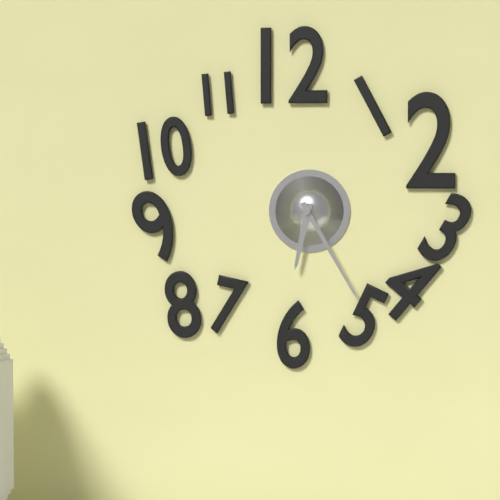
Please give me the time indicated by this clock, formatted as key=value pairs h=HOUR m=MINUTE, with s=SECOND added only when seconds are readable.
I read h=6 m=25
